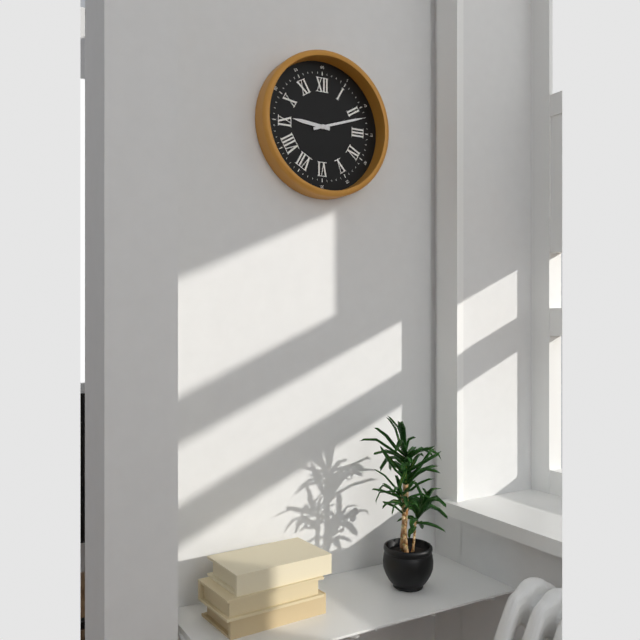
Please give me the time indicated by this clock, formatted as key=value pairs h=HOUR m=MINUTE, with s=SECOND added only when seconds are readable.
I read h=9 m=12
